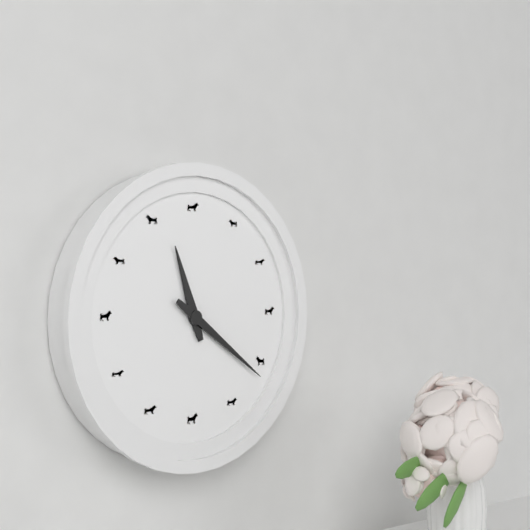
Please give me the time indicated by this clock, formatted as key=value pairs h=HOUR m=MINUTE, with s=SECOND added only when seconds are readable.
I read h=11 m=21
